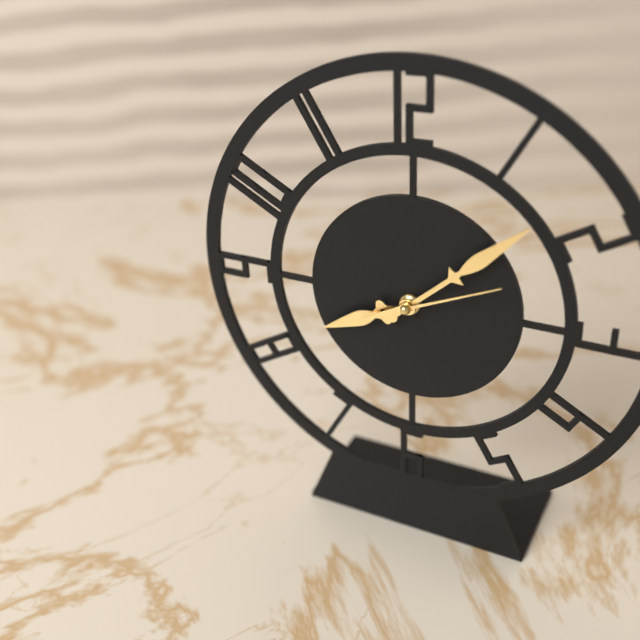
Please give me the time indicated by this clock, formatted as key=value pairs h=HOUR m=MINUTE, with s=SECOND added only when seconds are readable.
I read h=8 m=8 s=11
